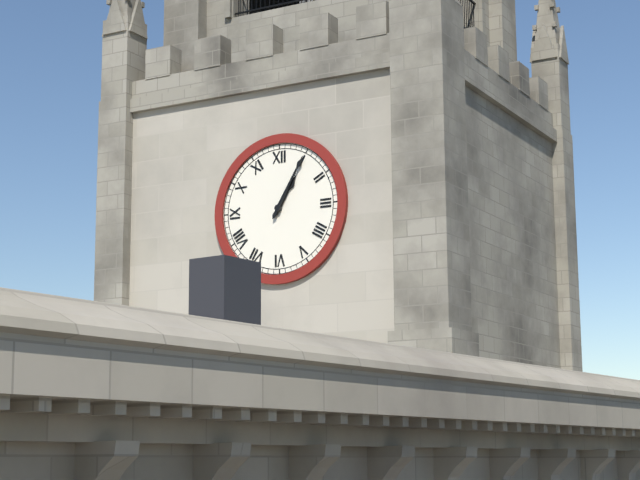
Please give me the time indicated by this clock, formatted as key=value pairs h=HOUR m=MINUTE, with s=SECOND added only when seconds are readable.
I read h=1 m=5
